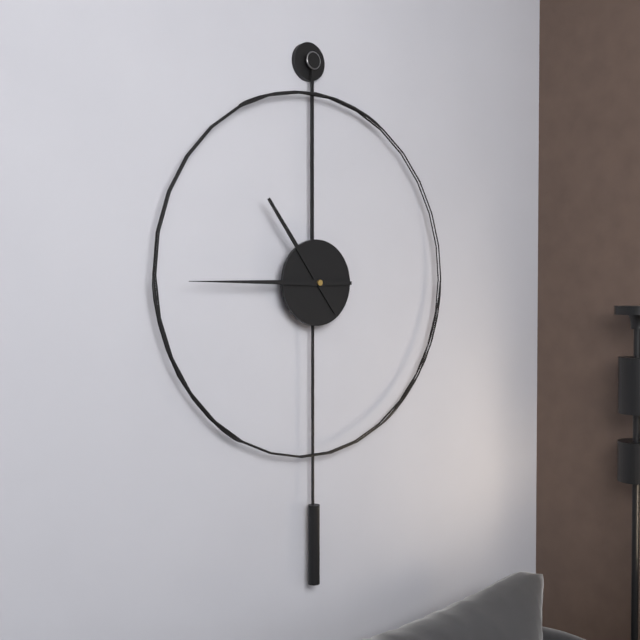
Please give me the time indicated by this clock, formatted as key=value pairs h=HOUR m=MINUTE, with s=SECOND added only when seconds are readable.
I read h=10 m=45
